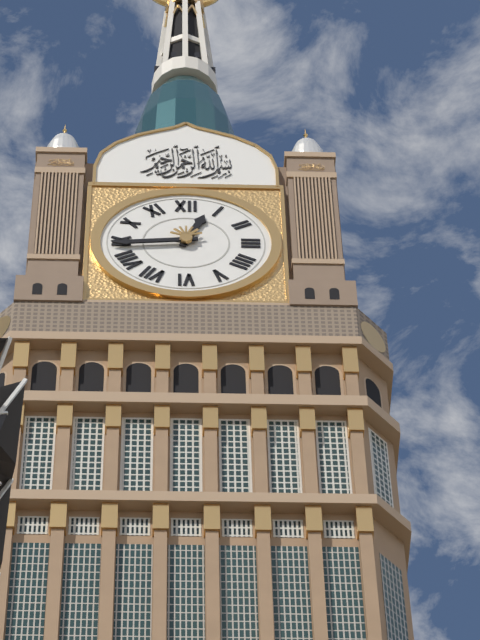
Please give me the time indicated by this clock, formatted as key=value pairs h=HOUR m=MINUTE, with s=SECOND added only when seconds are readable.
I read h=12 m=44
